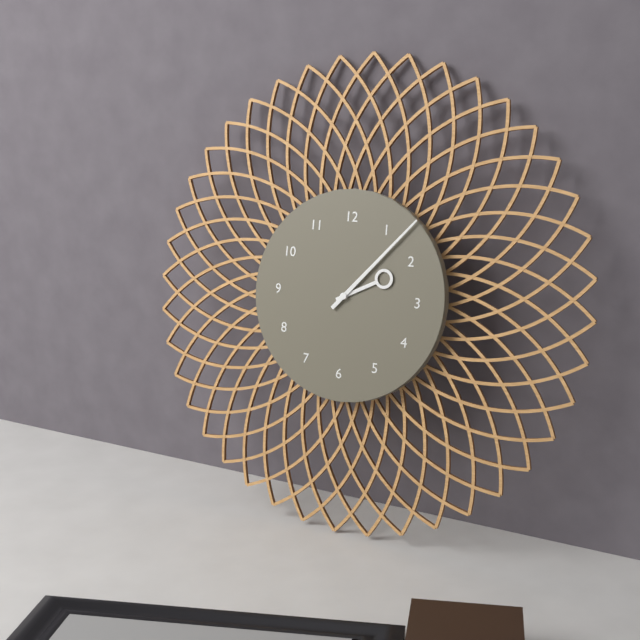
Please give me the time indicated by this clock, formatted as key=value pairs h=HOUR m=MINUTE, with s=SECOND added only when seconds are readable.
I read h=2 m=7
